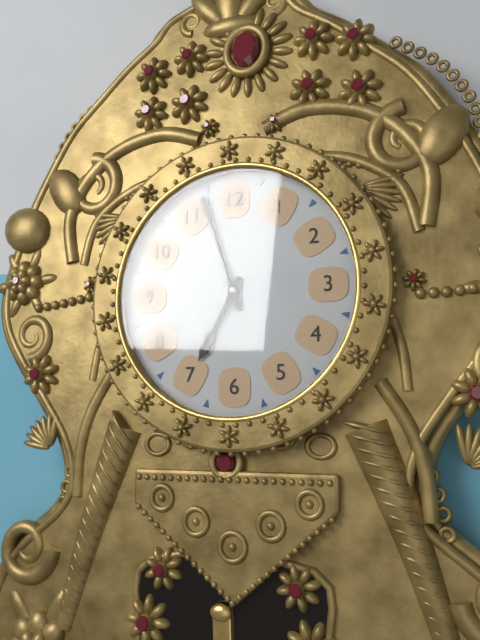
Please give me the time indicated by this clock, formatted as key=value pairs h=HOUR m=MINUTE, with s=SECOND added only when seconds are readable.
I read h=6 m=57
